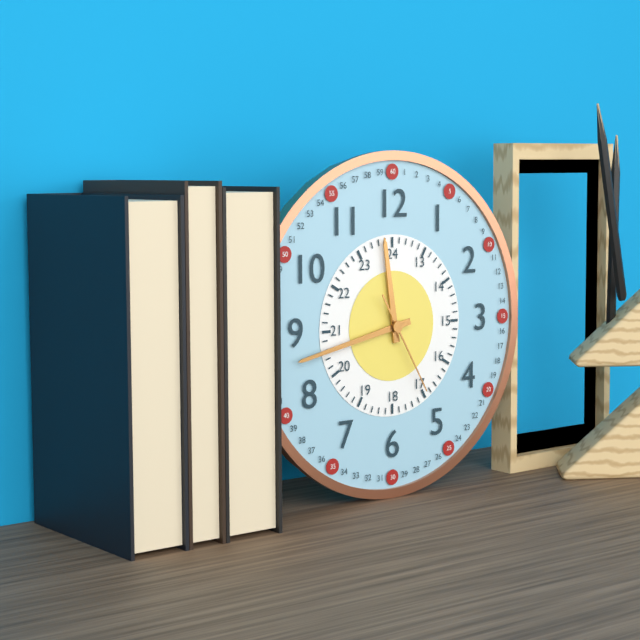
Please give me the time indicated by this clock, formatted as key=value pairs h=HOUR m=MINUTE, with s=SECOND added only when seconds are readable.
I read h=11 m=43 s=25
